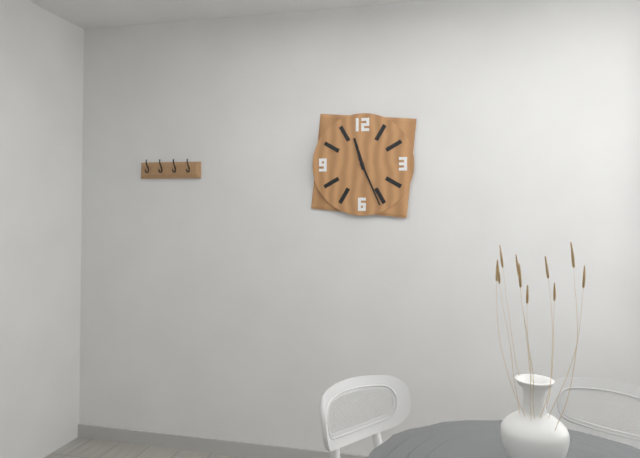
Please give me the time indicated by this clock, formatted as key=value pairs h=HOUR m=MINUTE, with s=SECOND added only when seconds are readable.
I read h=11 m=26
